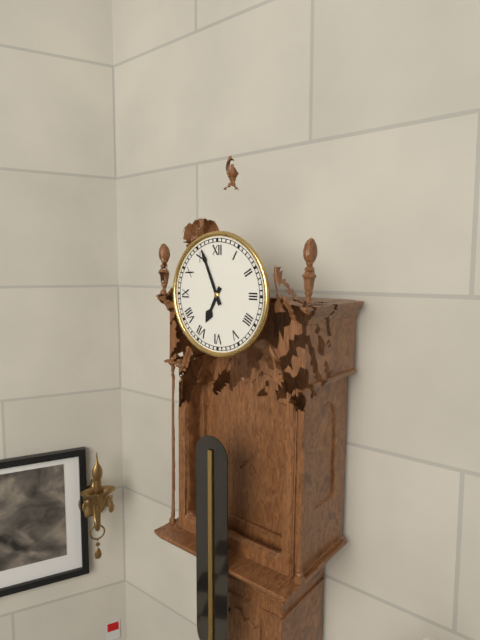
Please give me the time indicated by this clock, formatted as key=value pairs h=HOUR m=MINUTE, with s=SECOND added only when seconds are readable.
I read h=6 m=56
